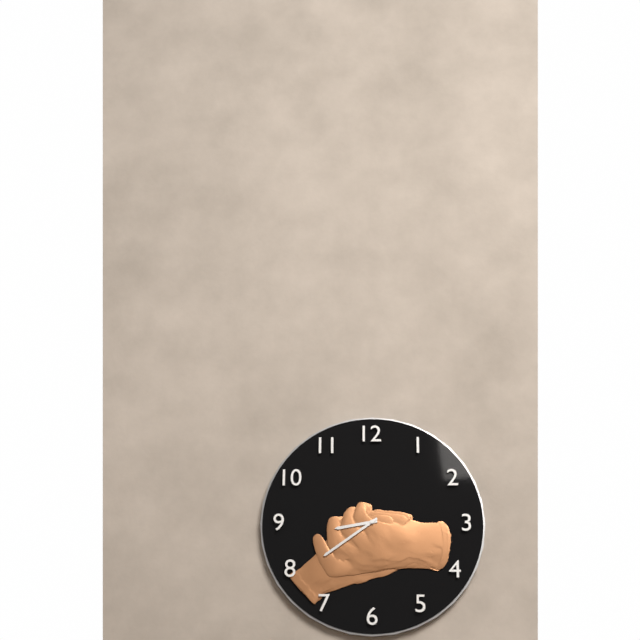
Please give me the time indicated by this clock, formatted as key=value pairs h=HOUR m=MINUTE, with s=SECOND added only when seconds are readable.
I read h=8 m=39
